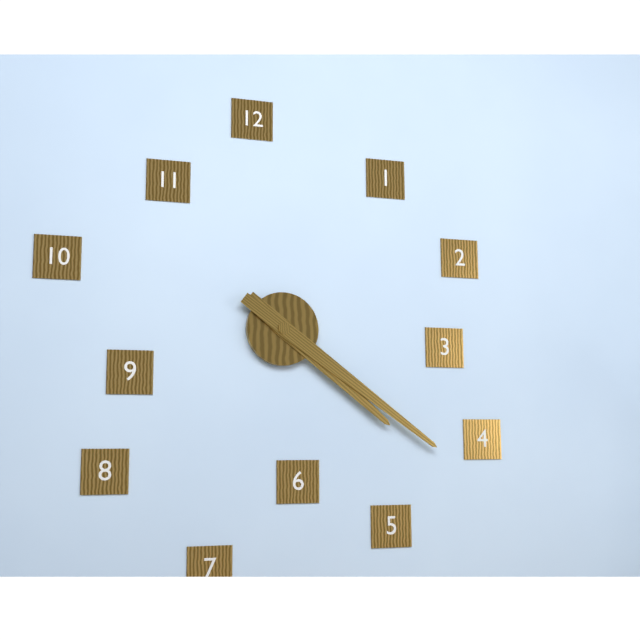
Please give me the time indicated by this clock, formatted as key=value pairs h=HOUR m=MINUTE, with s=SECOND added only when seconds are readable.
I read h=4 m=21
